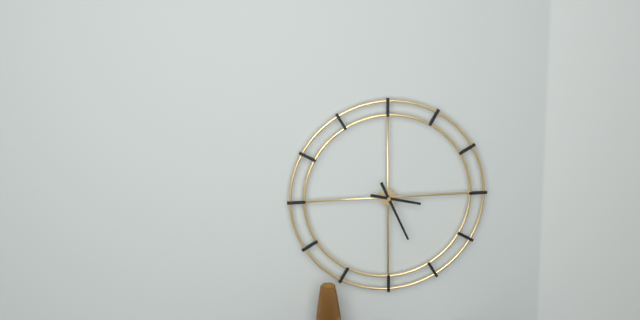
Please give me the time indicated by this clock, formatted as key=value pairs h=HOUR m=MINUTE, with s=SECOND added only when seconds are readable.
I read h=3 m=26
